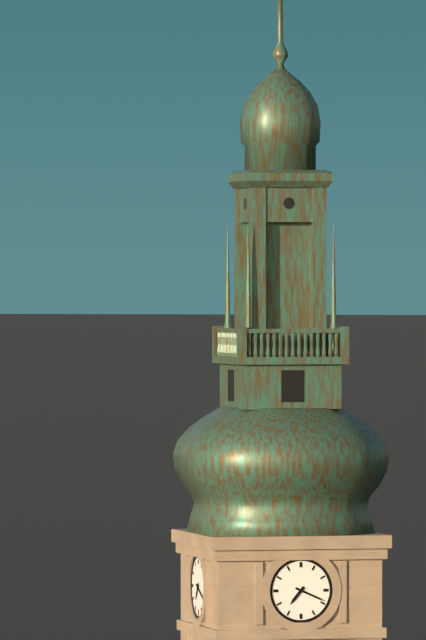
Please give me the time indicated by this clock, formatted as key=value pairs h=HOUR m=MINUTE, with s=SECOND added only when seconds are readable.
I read h=7 m=19
